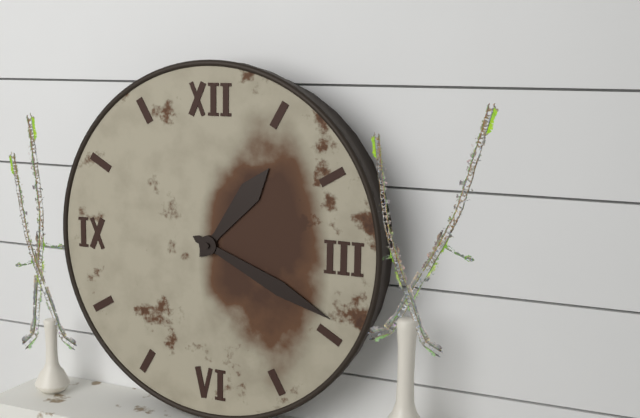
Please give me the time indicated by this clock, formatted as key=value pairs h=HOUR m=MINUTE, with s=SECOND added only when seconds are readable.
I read h=1 m=19
